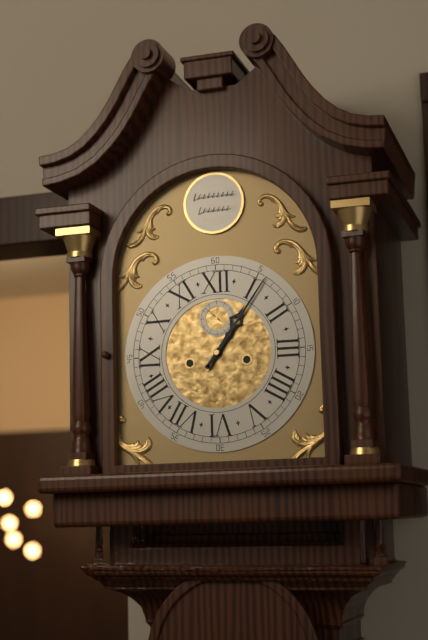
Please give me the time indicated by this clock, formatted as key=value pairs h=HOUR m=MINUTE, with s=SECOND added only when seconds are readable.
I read h=1 m=6 s=52
